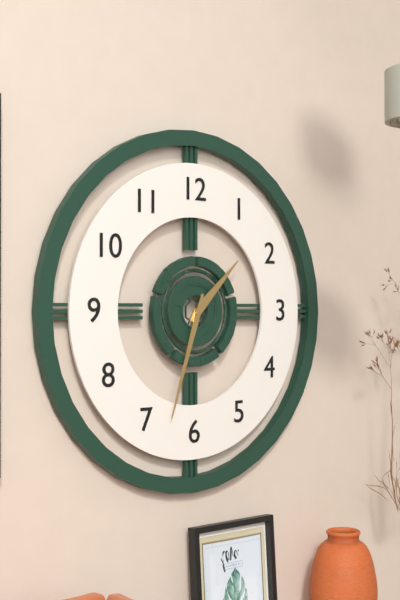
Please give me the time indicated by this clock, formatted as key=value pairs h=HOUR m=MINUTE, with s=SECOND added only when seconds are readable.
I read h=1 m=33
